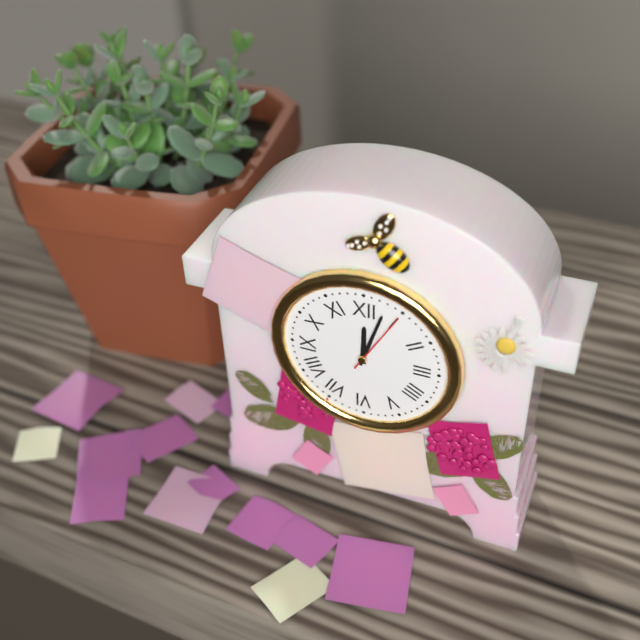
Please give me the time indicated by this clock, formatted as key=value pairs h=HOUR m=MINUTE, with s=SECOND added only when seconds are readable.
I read h=12 m=3 s=5
